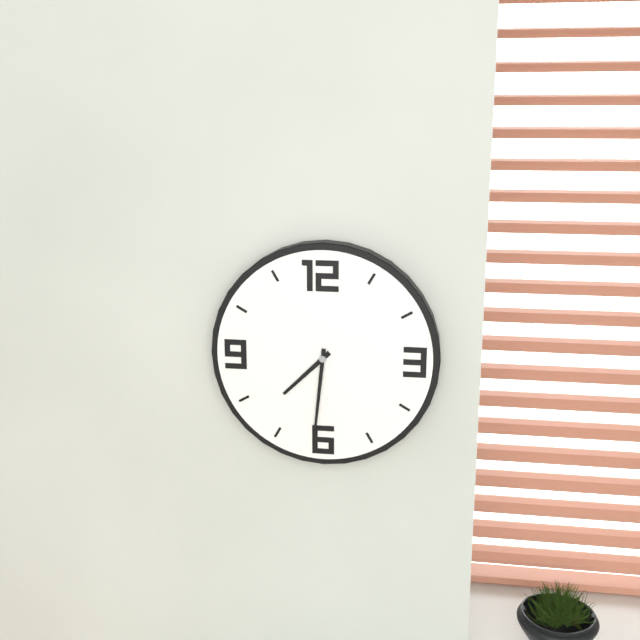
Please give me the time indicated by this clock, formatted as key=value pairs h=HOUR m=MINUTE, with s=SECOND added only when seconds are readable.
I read h=7 m=31
